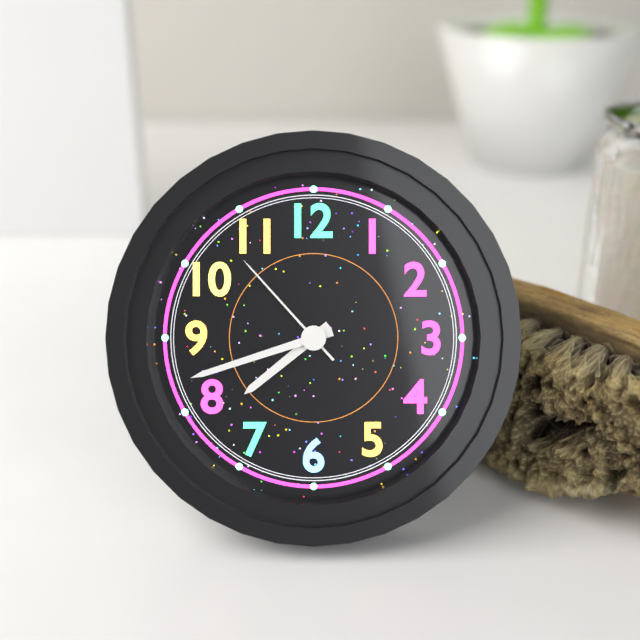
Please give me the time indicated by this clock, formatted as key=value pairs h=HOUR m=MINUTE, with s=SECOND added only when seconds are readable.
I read h=7 m=42 s=53
